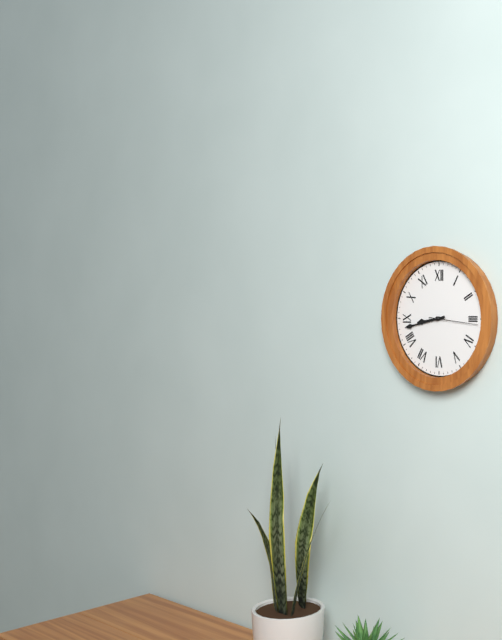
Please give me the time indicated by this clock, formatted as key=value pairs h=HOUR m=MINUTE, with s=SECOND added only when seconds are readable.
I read h=8 m=43
